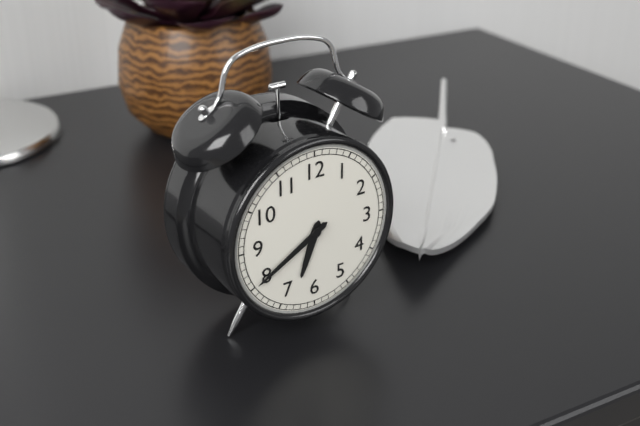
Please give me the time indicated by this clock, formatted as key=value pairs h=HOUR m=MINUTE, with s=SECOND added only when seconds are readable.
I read h=6 m=40
